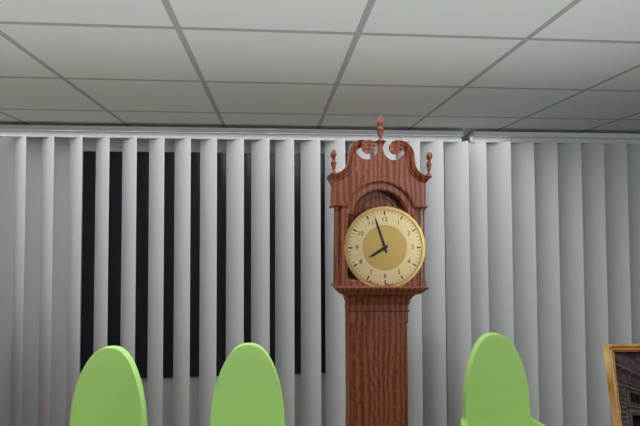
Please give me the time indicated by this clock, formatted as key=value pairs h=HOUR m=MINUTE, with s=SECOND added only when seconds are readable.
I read h=7 m=57
